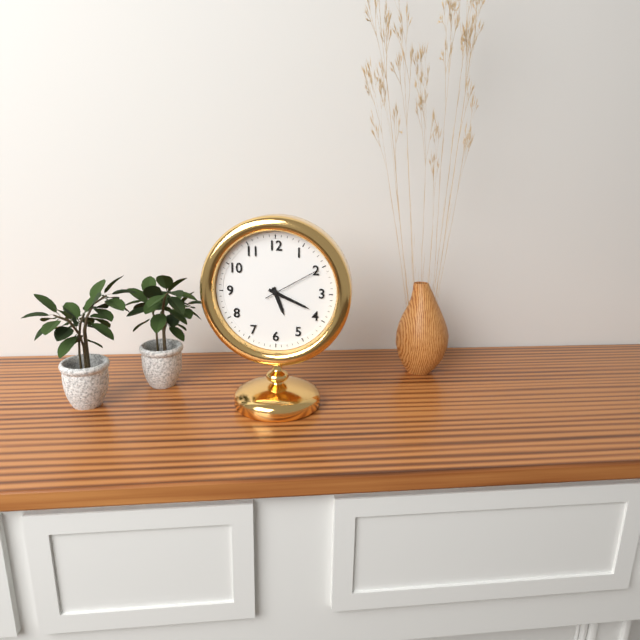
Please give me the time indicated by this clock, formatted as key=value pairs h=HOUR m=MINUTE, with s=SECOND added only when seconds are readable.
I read h=5 m=19 s=10
